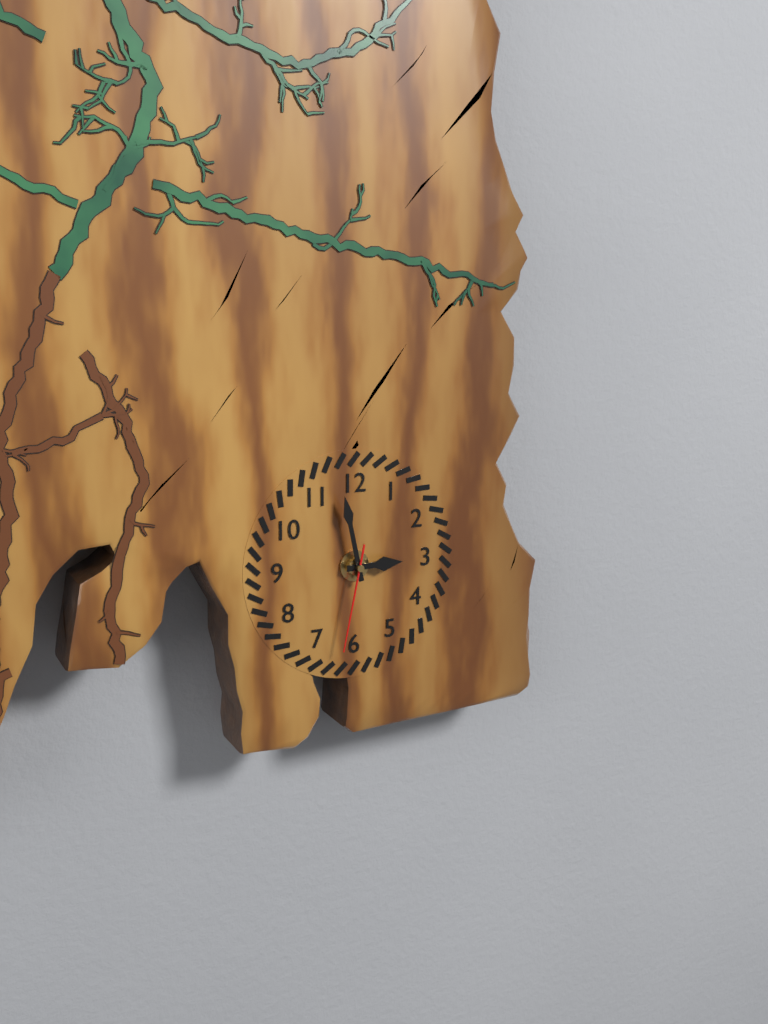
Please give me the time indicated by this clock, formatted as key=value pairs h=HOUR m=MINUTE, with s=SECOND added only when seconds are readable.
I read h=2 m=58 s=32
